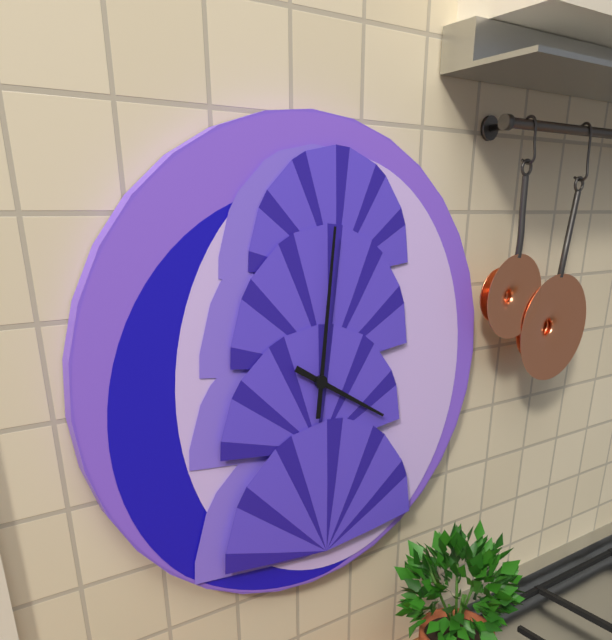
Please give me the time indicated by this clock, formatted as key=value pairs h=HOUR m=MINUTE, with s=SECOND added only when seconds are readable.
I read h=4 m=1
